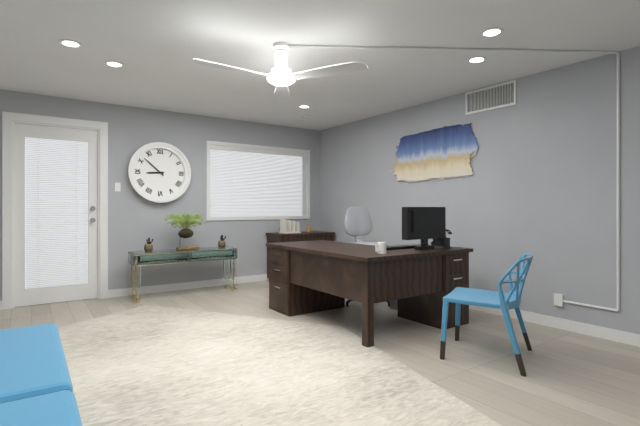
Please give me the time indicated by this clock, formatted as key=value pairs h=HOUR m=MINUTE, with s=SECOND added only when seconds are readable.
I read h=8 m=52
